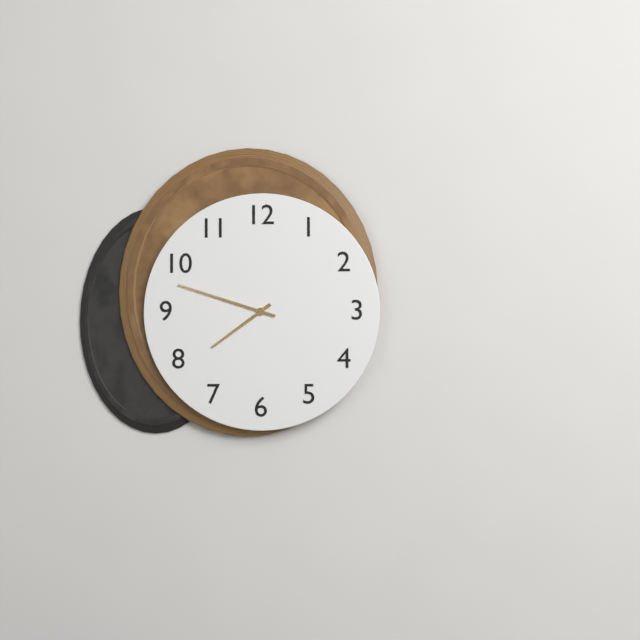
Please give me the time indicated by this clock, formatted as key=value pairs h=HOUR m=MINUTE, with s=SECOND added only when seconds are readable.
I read h=7 m=48
